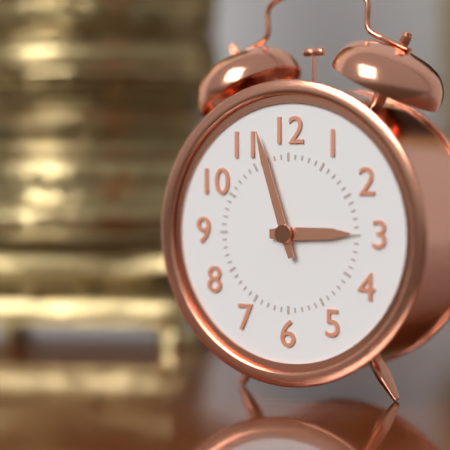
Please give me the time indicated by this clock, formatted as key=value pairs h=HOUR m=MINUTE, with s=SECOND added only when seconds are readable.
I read h=2 m=57
